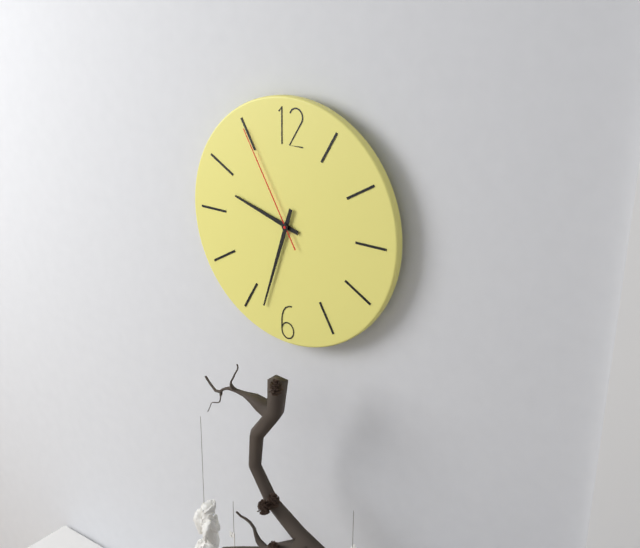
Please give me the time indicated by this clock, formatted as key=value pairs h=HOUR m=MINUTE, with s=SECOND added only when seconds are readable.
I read h=9 m=33 s=55
